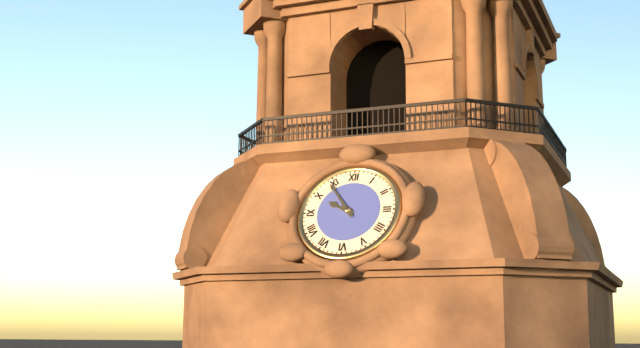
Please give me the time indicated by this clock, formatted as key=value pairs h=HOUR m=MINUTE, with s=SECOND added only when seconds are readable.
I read h=9 m=54
